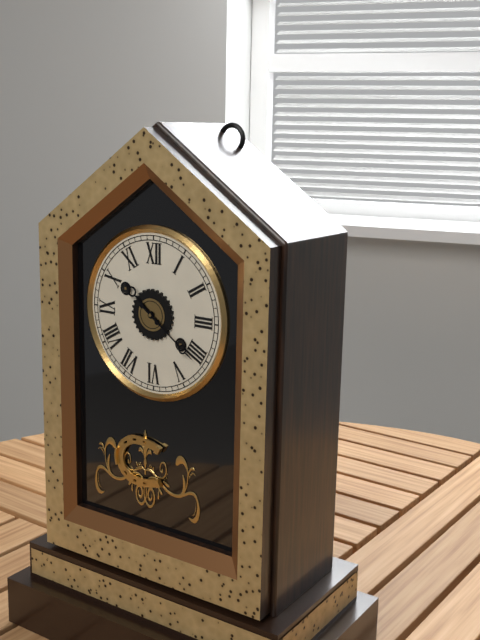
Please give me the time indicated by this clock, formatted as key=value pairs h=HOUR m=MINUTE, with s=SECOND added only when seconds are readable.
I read h=10 m=21
